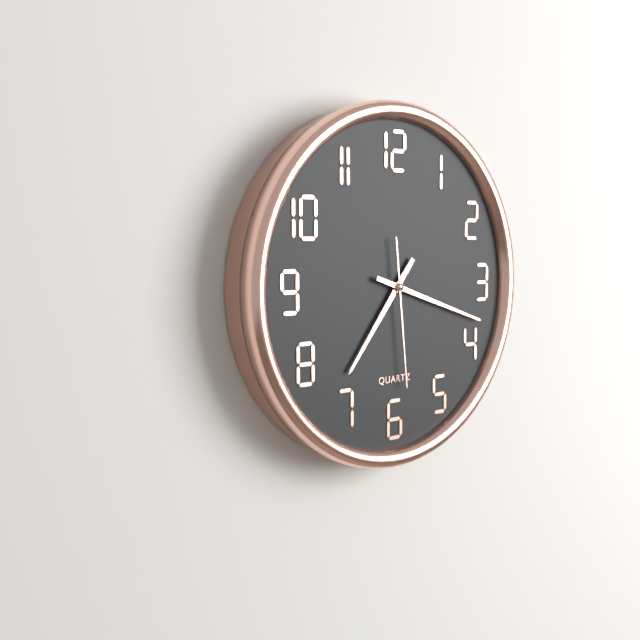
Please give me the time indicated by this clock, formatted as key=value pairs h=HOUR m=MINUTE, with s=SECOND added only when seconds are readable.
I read h=7 m=18 s=29
